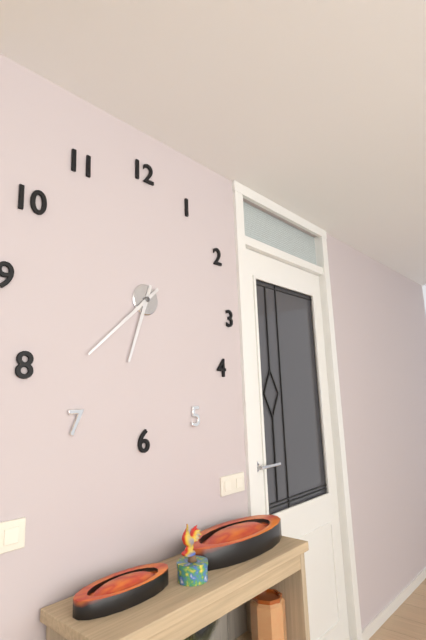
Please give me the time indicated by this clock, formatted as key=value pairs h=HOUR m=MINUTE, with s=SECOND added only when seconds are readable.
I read h=6 m=38
